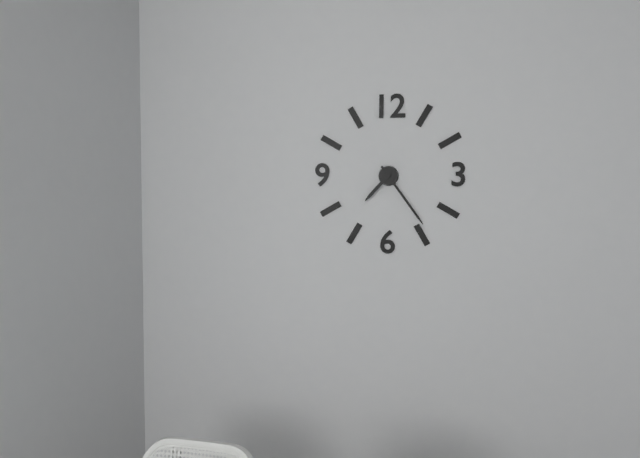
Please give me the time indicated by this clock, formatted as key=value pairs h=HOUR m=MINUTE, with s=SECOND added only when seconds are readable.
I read h=7 m=24
